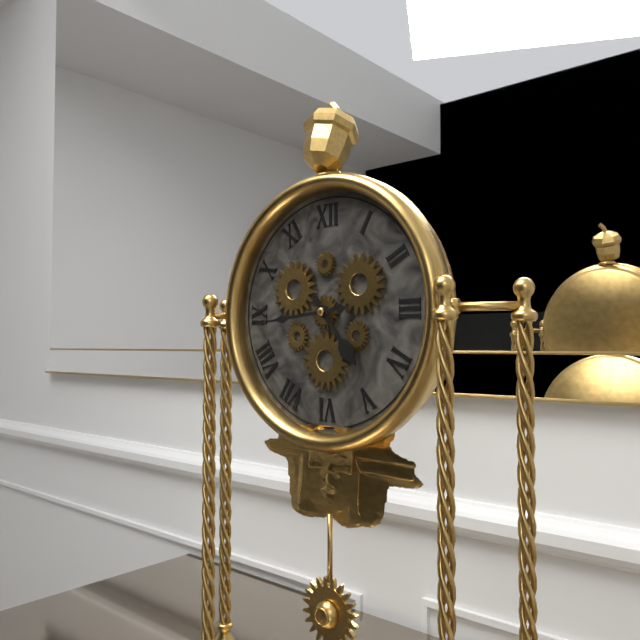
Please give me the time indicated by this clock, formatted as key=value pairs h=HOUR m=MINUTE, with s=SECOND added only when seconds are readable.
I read h=4 m=44
